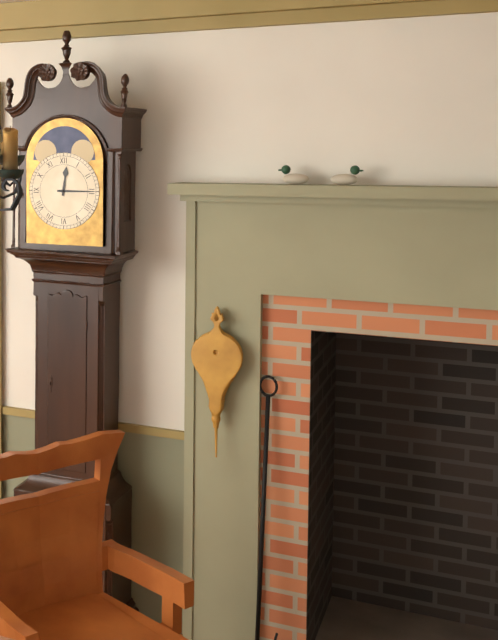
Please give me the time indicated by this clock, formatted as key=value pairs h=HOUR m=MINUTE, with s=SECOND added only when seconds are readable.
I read h=12 m=15
